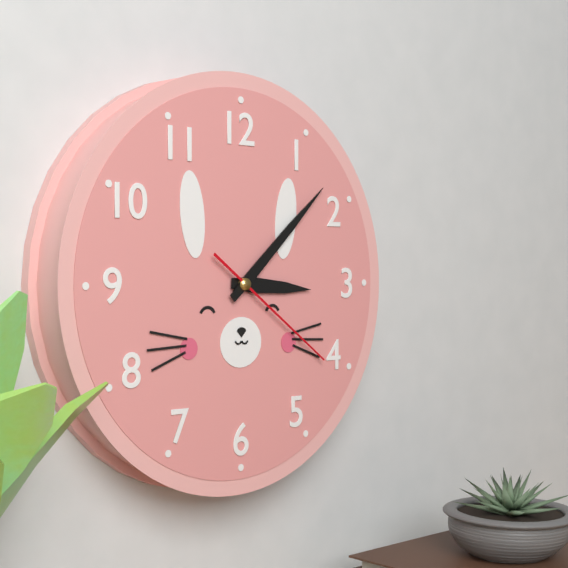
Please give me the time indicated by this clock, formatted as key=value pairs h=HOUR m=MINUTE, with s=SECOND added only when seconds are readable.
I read h=3 m=8 s=21
